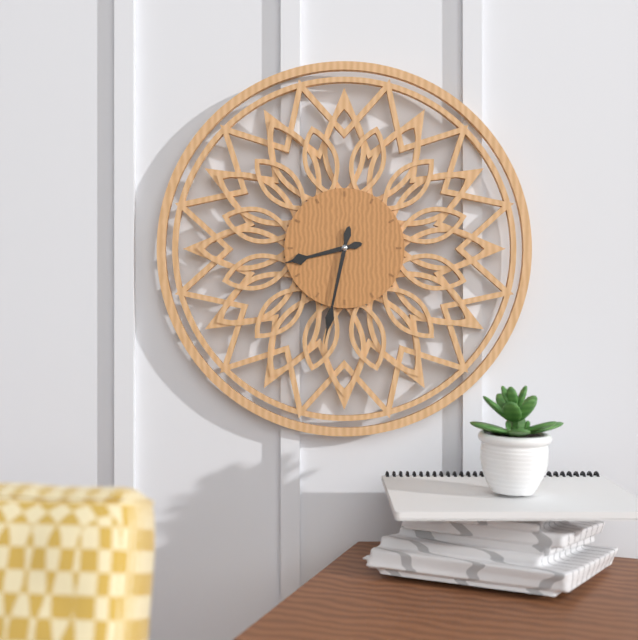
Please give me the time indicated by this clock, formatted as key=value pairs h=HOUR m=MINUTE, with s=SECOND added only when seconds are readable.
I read h=8 m=32
